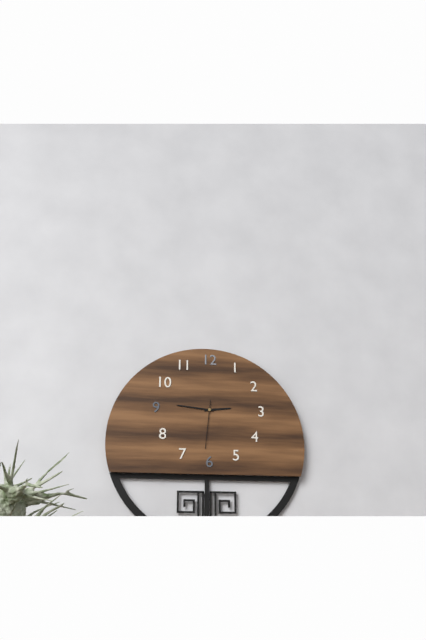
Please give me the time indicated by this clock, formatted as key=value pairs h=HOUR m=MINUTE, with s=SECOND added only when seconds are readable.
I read h=2 m=46
